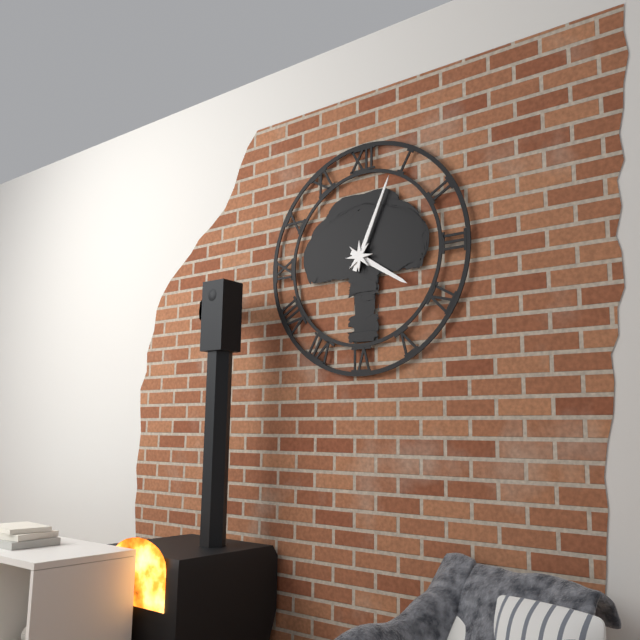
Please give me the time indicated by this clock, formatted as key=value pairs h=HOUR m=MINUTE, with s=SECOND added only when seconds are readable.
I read h=4 m=4
